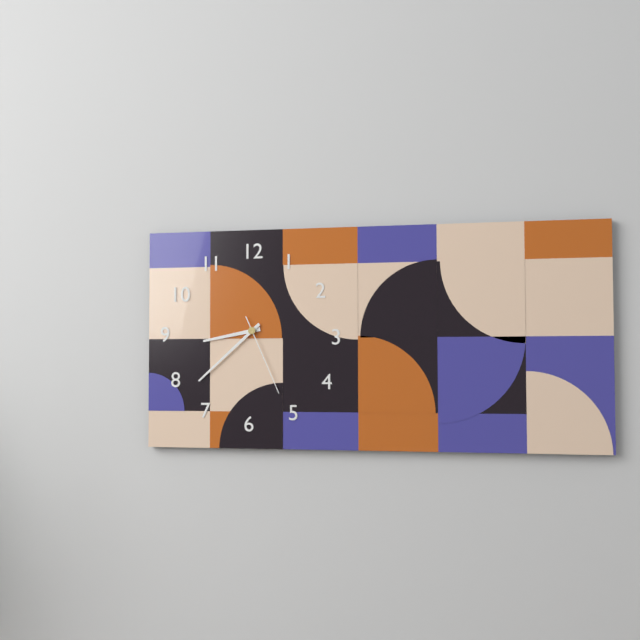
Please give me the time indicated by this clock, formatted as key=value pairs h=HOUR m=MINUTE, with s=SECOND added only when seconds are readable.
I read h=8 m=38 s=26
